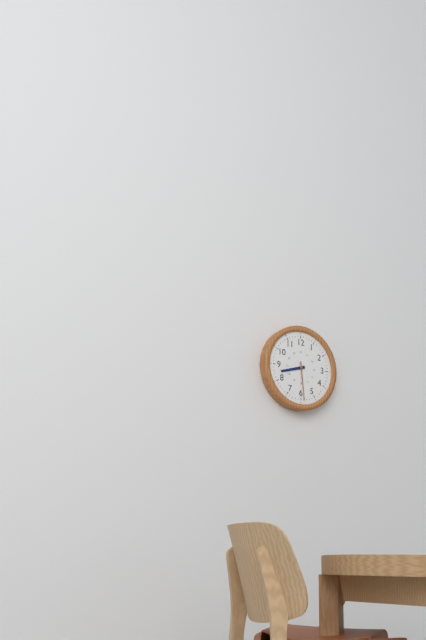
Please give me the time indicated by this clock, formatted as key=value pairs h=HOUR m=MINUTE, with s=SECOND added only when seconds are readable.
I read h=8 m=29
